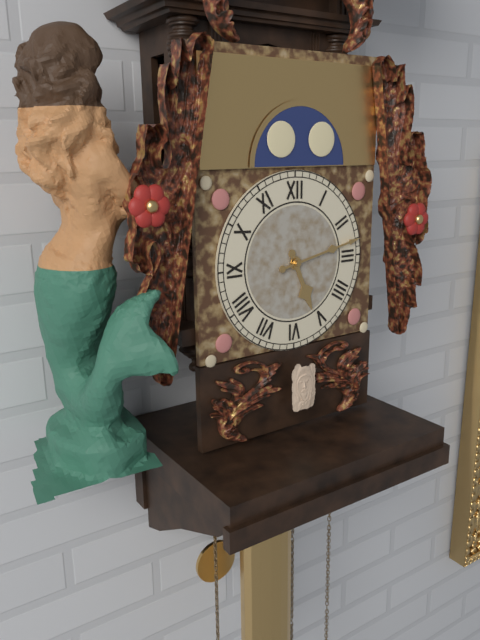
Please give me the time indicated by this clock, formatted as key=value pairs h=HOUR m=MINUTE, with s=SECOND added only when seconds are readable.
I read h=5 m=13
